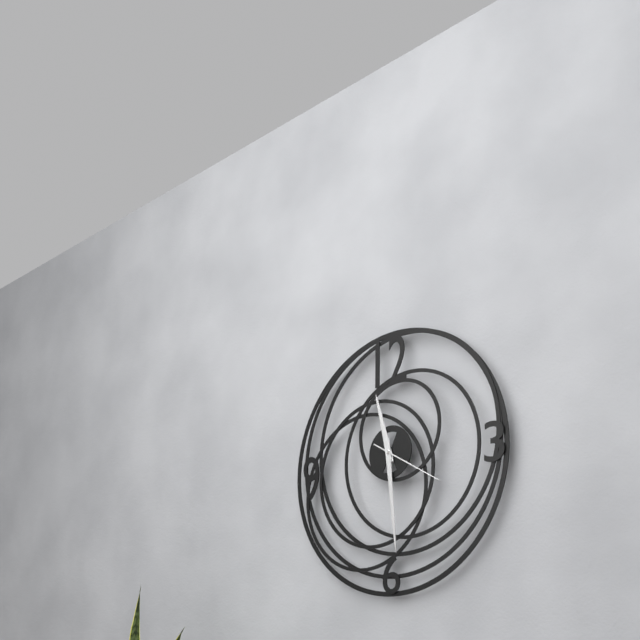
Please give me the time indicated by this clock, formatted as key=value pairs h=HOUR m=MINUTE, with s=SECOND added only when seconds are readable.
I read h=11 m=29 s=20
